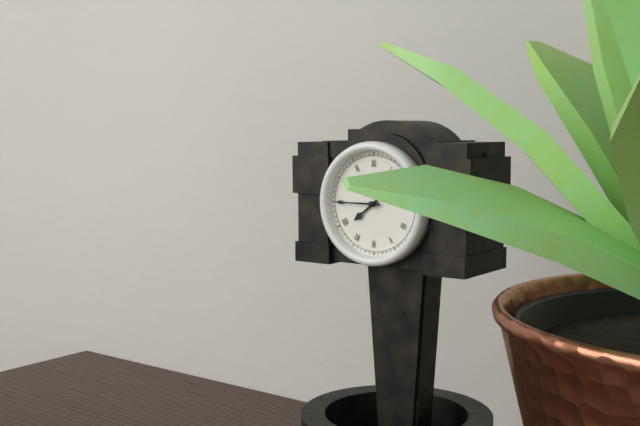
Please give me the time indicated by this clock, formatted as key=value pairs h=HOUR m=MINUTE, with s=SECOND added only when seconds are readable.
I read h=7 m=45
